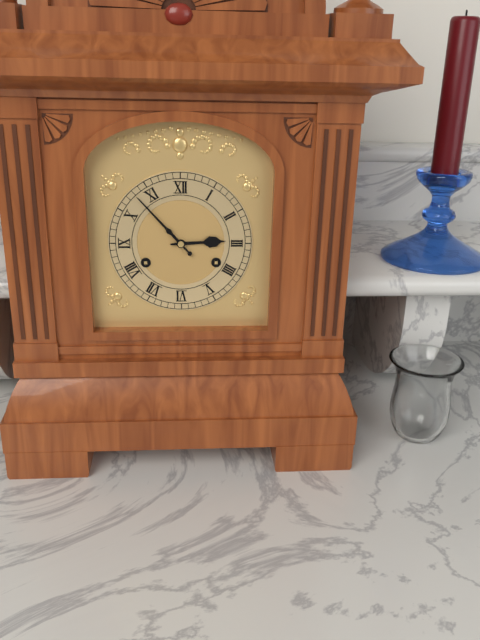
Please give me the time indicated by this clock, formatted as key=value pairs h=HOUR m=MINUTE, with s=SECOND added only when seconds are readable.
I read h=2 m=53
